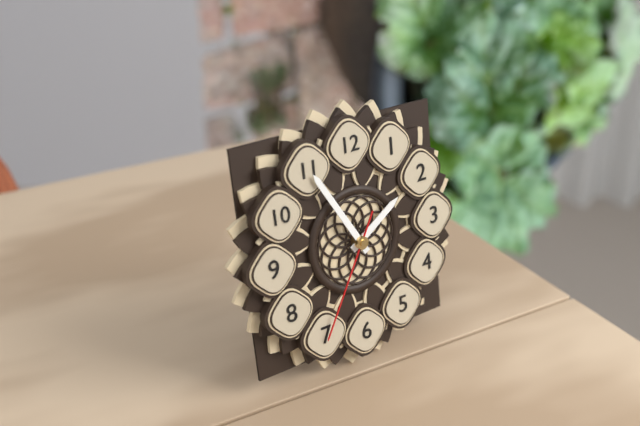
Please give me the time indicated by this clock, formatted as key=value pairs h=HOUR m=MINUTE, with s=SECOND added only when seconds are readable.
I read h=1 m=55 s=35
